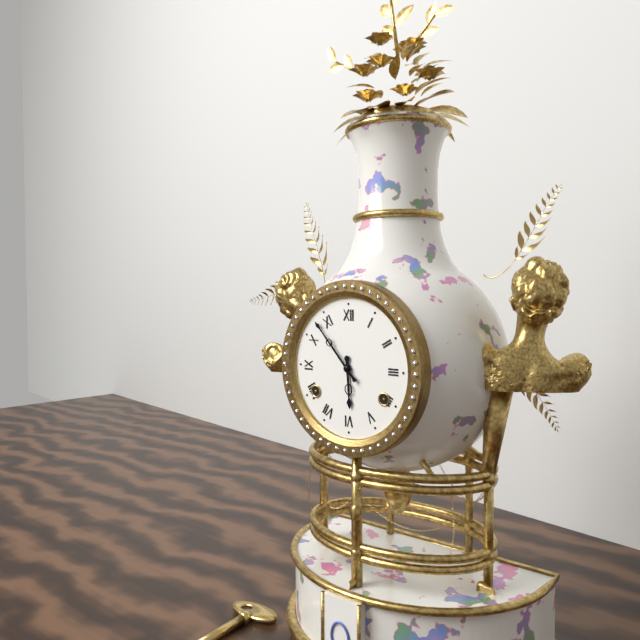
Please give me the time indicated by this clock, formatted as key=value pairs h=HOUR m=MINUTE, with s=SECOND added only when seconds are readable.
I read h=5 m=53
